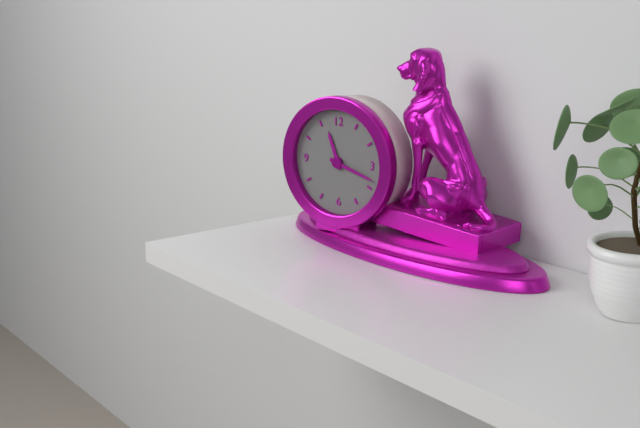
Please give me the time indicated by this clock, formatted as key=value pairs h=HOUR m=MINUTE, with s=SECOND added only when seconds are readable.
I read h=11 m=18
